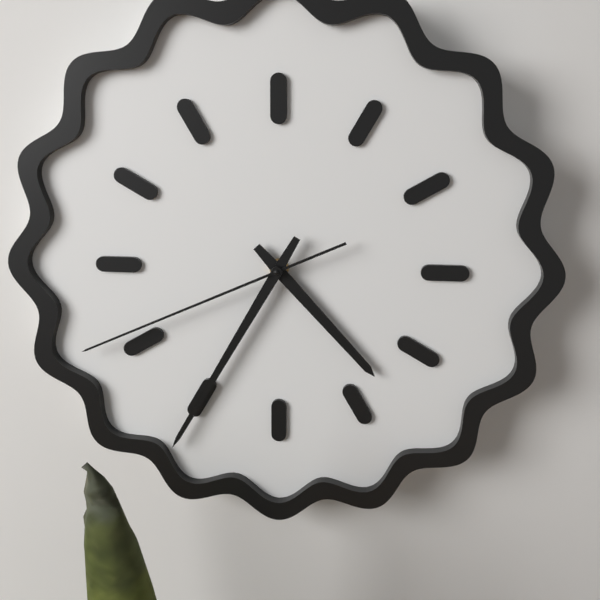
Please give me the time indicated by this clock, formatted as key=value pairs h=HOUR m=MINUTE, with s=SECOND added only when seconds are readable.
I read h=4 m=35 s=41
